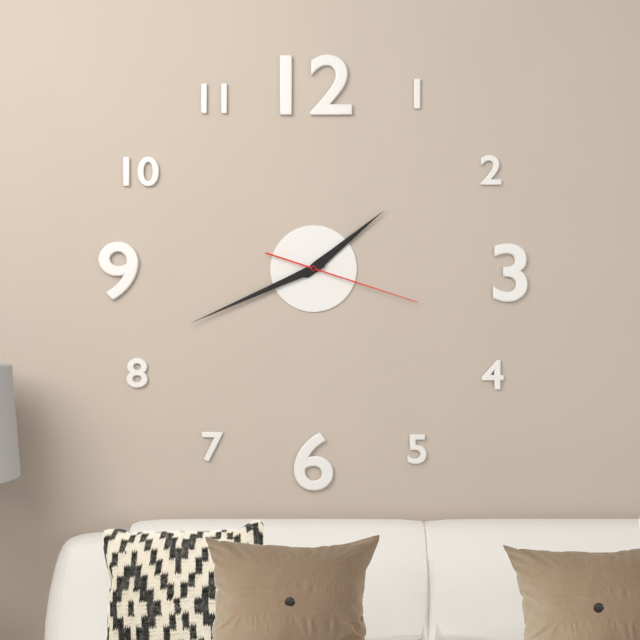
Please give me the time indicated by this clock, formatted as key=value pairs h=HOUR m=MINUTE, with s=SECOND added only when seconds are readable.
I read h=1 m=41 s=18
